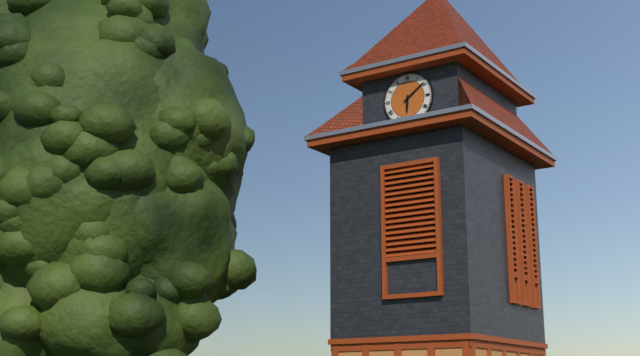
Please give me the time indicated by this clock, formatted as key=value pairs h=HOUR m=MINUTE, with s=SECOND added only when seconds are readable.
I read h=6 m=9
